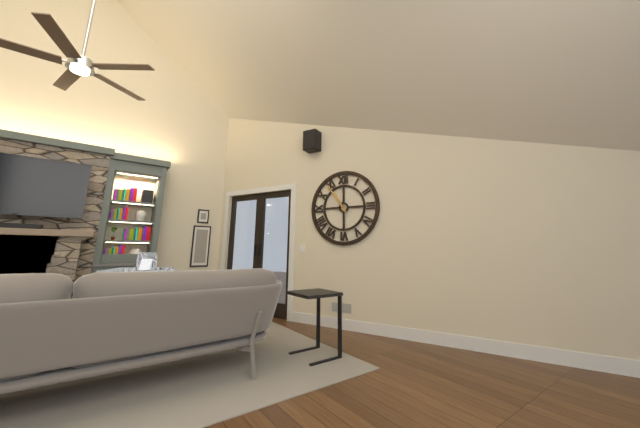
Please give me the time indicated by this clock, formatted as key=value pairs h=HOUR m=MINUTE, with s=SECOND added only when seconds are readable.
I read h=10 m=54
